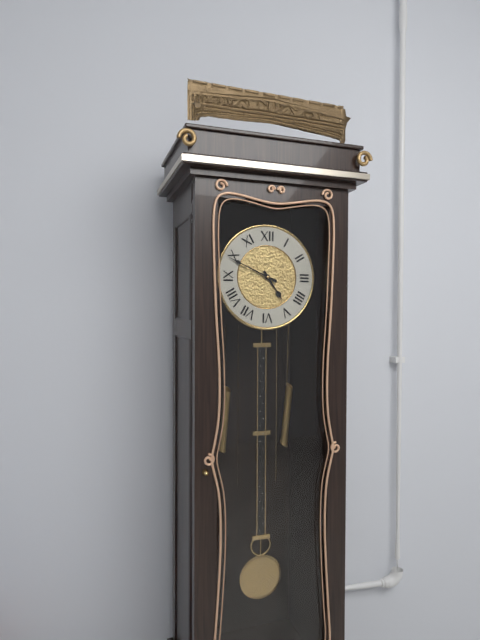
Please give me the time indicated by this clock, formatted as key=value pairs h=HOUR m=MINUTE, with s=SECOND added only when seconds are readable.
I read h=4 m=49
